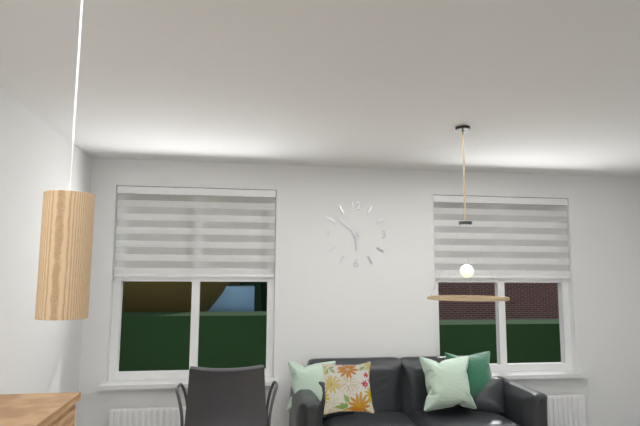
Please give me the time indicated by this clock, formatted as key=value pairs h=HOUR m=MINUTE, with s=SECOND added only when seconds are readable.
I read h=5 m=52
